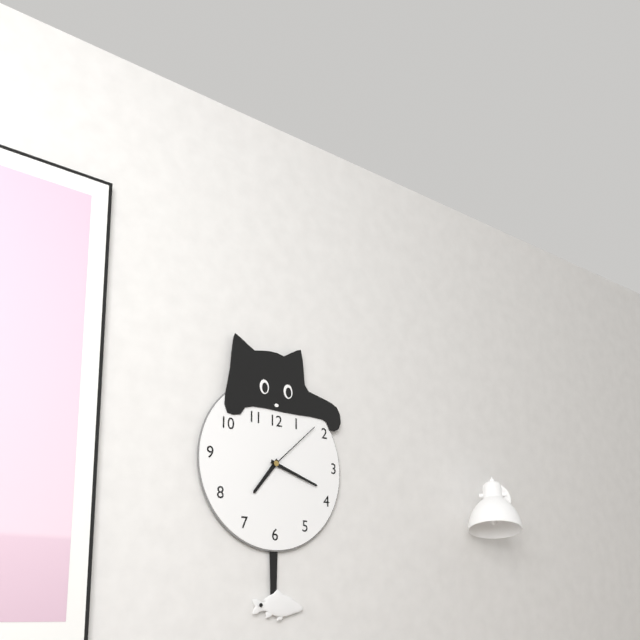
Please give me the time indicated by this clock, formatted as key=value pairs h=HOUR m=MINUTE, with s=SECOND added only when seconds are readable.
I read h=7 m=18 s=8
